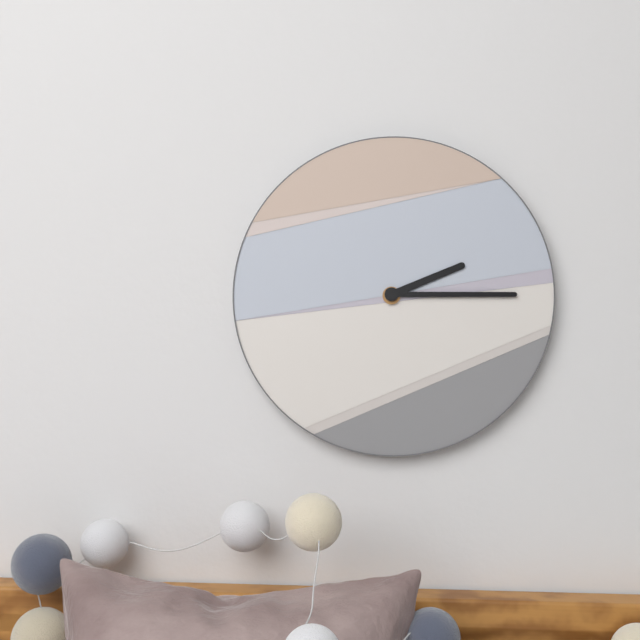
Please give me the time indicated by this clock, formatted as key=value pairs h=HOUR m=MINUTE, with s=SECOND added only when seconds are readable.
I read h=2 m=15
